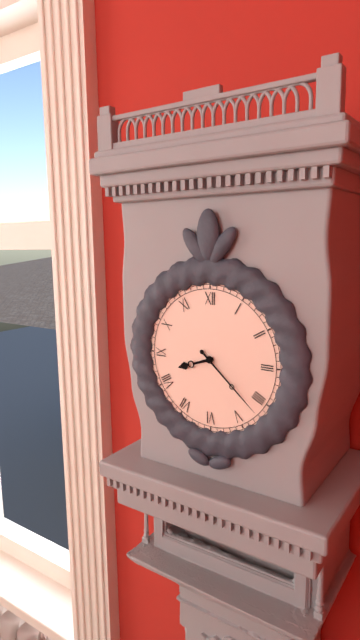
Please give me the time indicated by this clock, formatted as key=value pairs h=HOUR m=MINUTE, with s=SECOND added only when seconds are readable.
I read h=8 m=22
